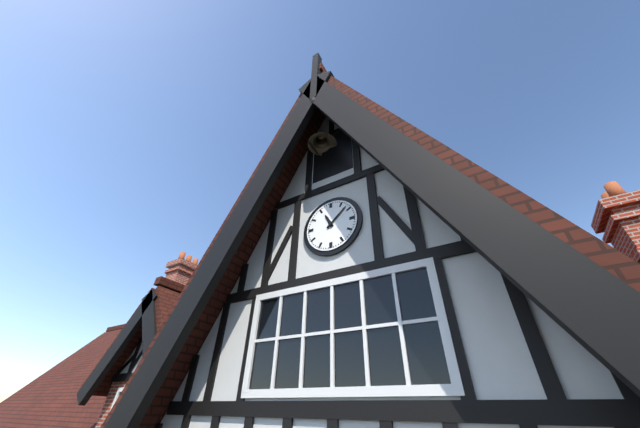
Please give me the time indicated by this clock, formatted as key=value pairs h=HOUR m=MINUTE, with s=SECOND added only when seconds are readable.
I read h=11 m=8
